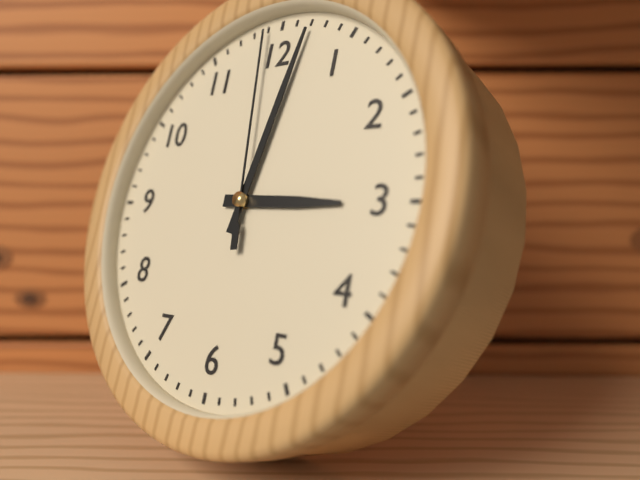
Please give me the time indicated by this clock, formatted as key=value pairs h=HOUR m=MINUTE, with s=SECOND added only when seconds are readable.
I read h=3 m=2 s=59
